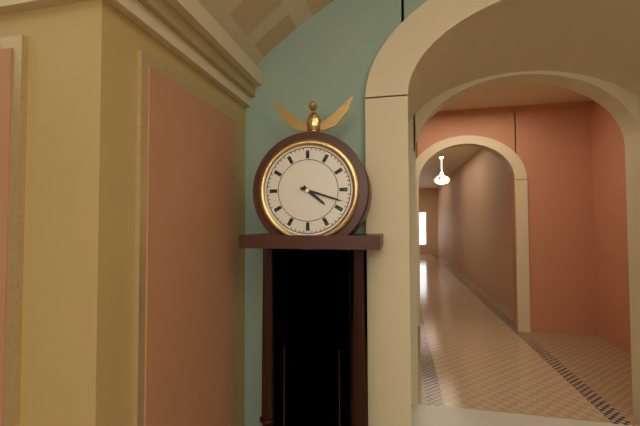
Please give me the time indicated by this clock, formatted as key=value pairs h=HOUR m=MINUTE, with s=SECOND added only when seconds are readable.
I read h=4 m=18
